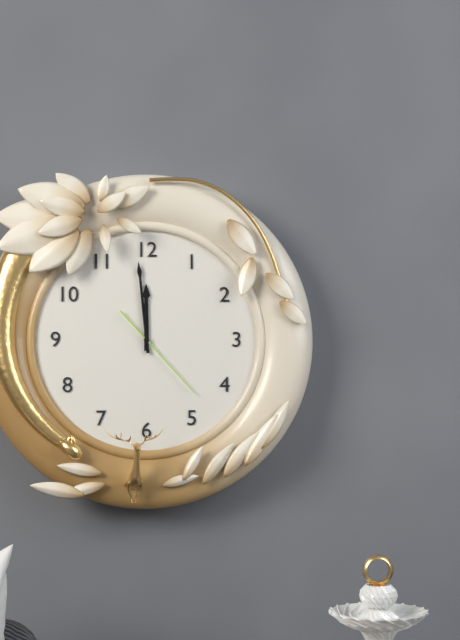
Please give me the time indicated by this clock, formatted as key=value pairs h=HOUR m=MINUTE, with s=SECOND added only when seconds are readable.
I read h=11 m=59 s=23
